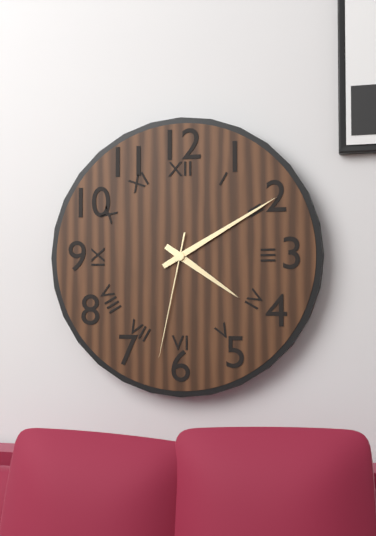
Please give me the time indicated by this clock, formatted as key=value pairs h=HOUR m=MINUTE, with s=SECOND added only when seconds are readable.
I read h=4 m=10 s=32
